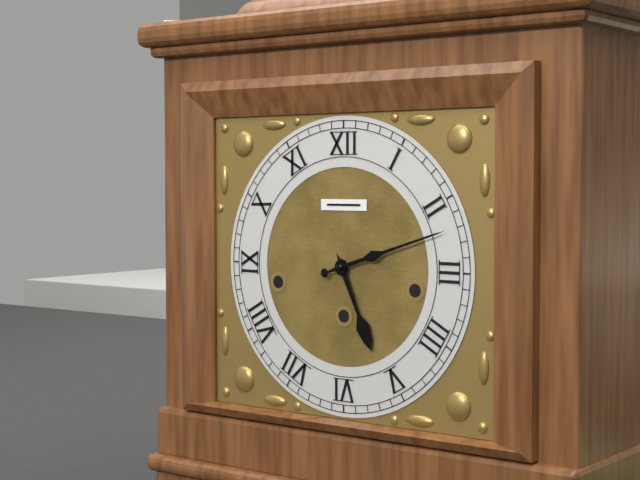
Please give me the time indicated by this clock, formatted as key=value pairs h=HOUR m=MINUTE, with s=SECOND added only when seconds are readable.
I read h=5 m=12
